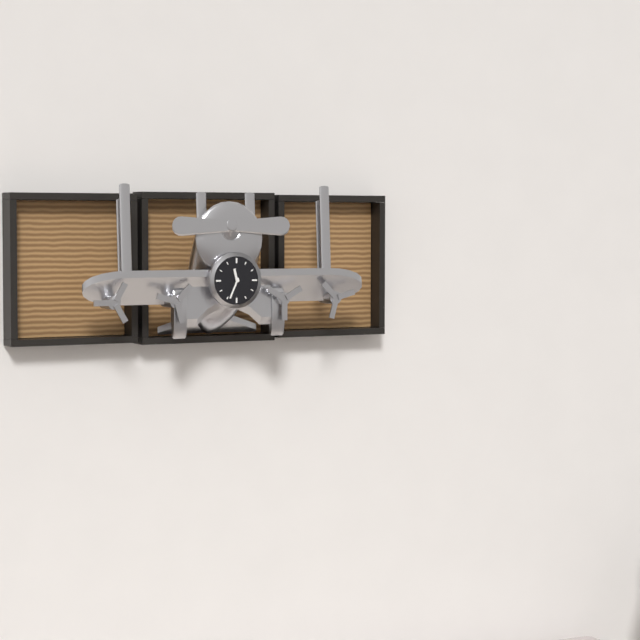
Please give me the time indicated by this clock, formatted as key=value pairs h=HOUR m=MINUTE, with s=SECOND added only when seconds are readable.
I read h=11 m=34
